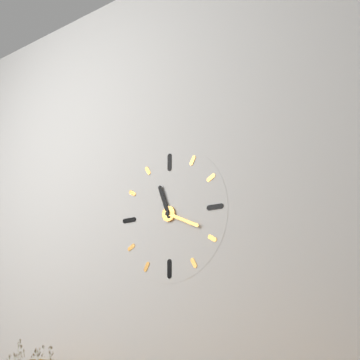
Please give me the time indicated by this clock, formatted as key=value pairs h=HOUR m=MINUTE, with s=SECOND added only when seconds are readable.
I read h=11 m=19
